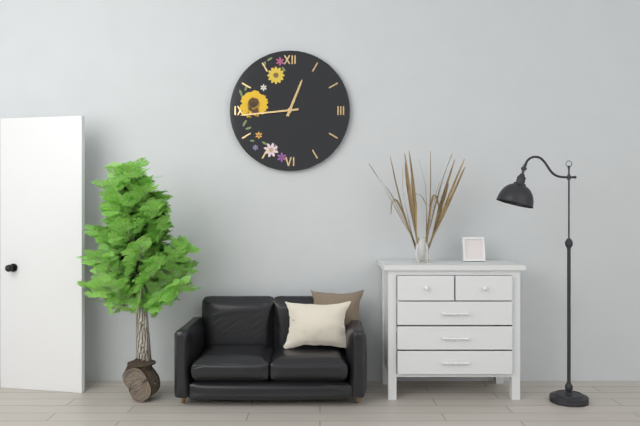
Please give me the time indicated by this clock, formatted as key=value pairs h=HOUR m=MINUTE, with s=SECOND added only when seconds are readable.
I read h=12 m=44
